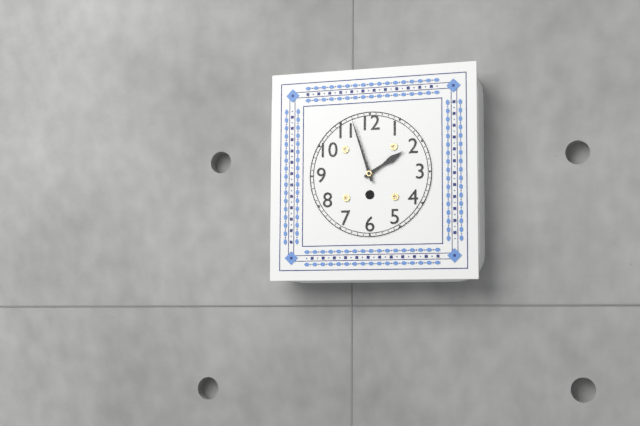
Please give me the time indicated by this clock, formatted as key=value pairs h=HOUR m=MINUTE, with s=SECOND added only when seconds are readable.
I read h=1 m=57
